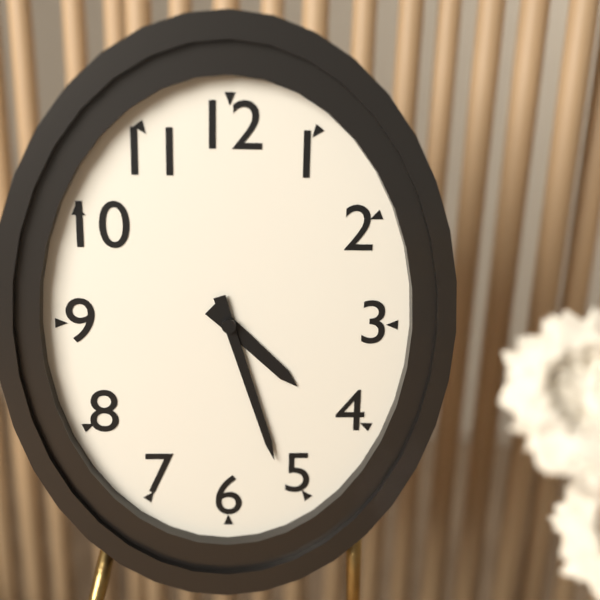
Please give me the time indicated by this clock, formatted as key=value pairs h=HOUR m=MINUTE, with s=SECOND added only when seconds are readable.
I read h=4 m=27
